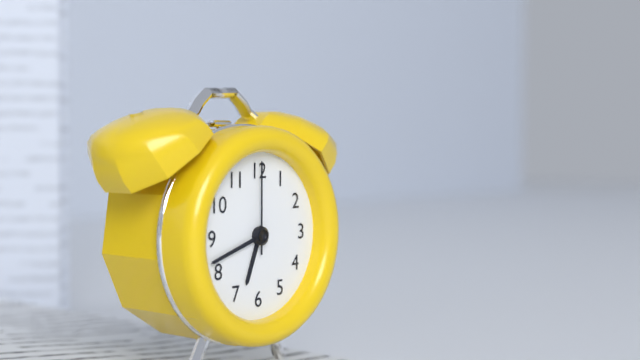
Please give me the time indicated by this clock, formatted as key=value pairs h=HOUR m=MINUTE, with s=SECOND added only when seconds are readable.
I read h=6 m=42 s=0
